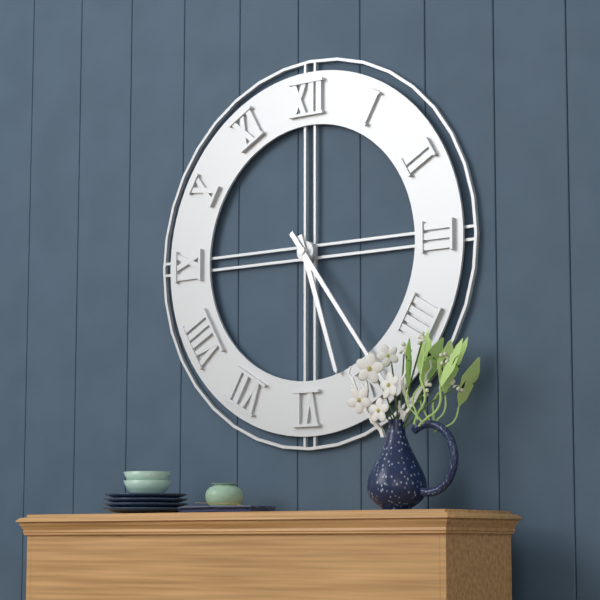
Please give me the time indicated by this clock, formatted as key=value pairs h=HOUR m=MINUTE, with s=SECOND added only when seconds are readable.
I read h=5 m=24
